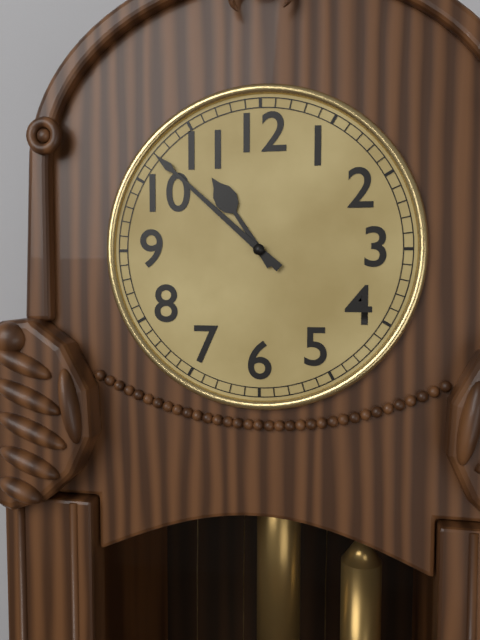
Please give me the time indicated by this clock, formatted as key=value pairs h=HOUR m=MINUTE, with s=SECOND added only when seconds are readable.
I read h=10 m=52
